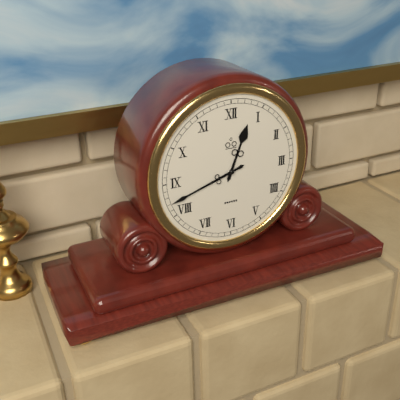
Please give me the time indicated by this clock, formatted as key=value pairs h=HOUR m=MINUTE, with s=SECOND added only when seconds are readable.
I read h=12 m=42
